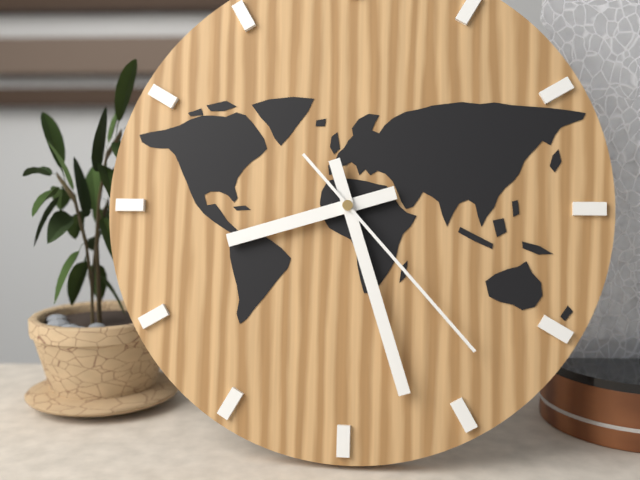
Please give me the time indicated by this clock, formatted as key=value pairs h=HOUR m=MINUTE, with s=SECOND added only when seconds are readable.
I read h=8 m=27 s=23
